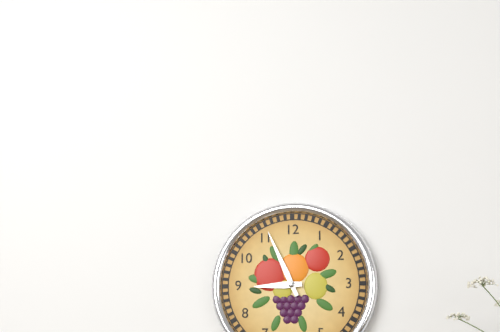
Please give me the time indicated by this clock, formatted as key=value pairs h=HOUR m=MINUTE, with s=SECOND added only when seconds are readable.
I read h=8 m=56
